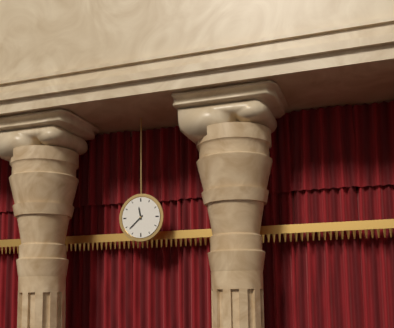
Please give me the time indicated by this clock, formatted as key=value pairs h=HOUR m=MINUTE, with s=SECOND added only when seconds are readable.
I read h=11 m=38
